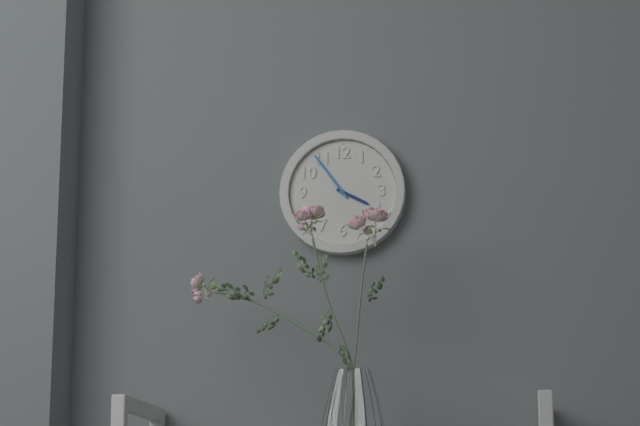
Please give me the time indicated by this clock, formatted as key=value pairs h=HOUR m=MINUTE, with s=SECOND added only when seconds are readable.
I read h=3 m=54
